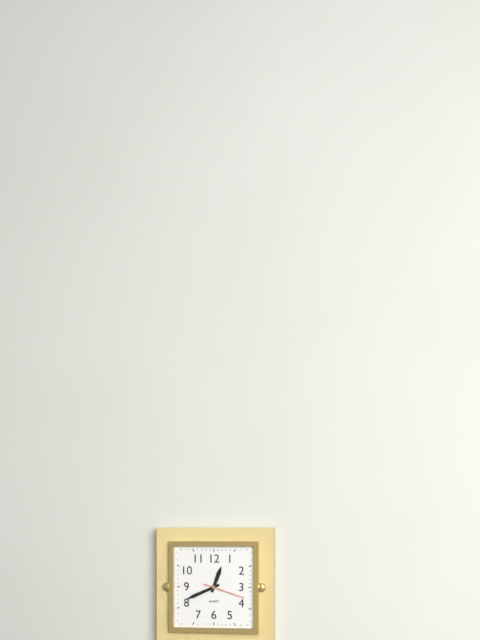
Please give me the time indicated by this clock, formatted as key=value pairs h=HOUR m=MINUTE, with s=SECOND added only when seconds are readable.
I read h=12 m=41
